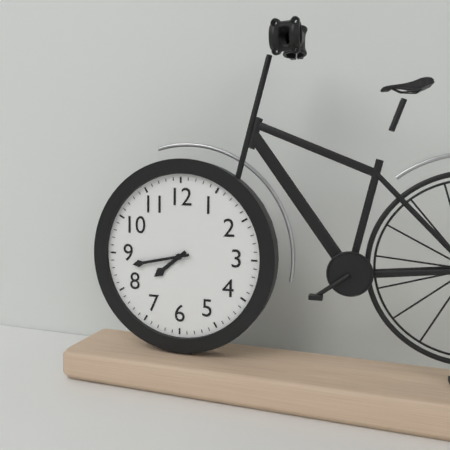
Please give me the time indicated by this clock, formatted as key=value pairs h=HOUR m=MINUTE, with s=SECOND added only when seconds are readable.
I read h=7 m=43
